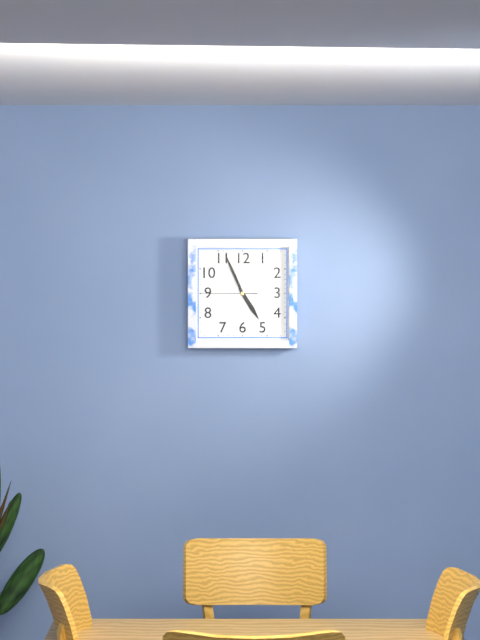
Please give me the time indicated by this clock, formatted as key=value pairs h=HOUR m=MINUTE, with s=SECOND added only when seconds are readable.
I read h=4 m=56 s=45
